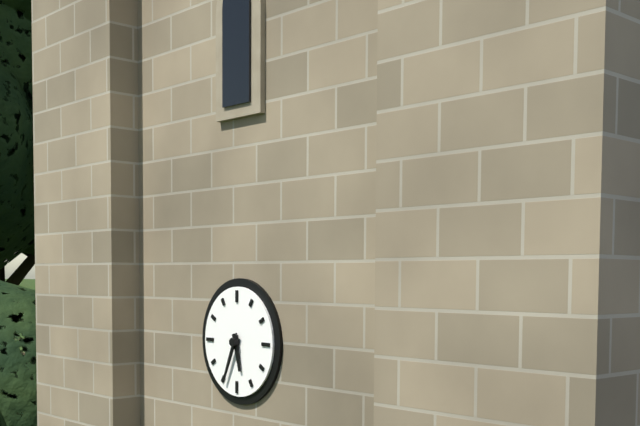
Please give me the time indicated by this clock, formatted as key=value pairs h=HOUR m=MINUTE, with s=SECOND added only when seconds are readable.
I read h=5 m=34
